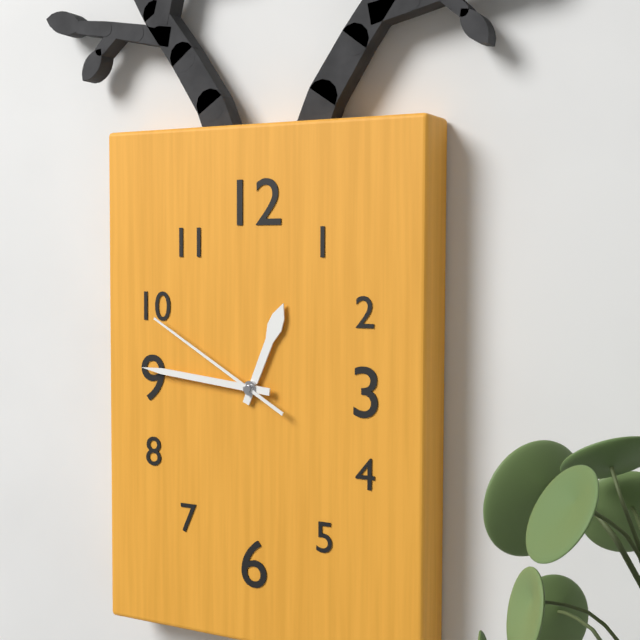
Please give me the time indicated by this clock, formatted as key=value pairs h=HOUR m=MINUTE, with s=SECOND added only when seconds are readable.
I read h=12 m=46 s=50
